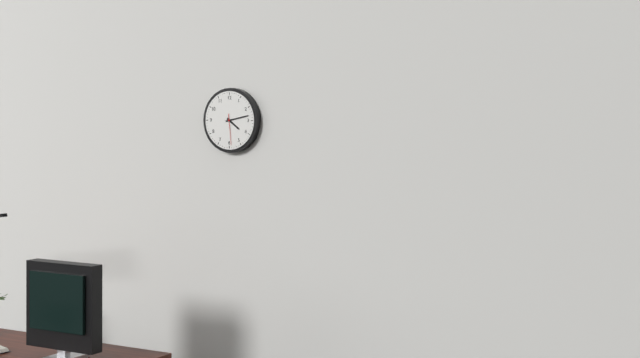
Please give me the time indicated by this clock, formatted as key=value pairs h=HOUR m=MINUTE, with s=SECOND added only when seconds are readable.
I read h=4 m=13
